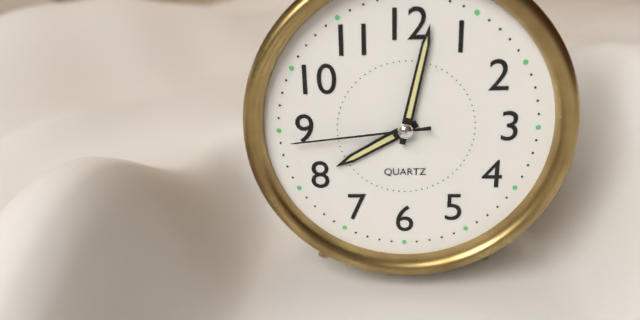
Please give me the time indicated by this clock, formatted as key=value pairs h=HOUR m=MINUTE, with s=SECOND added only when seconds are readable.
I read h=8 m=2 s=44
